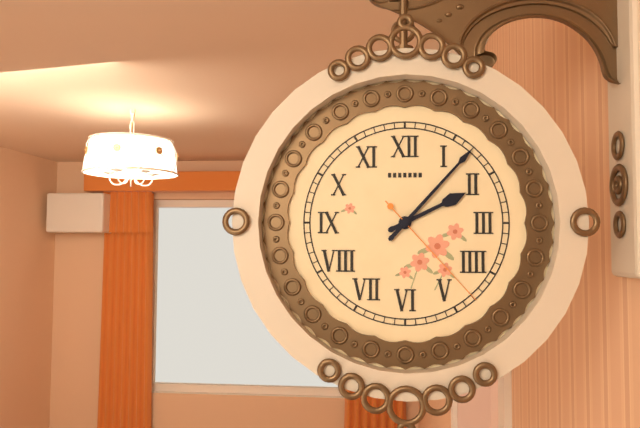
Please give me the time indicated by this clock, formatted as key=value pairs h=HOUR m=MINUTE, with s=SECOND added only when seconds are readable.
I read h=2 m=7 s=23
